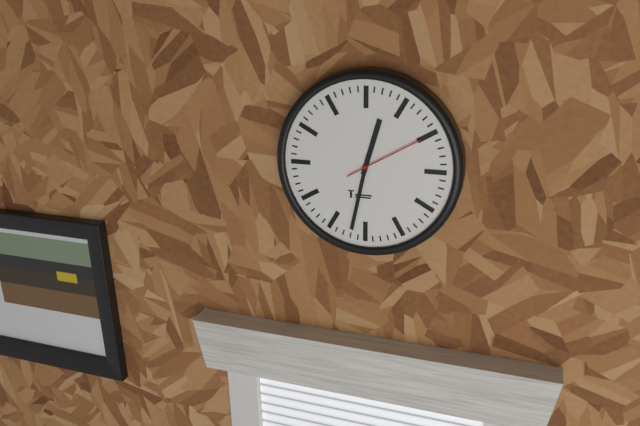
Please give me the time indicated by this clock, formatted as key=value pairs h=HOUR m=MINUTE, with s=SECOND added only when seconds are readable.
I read h=12 m=32 s=10
